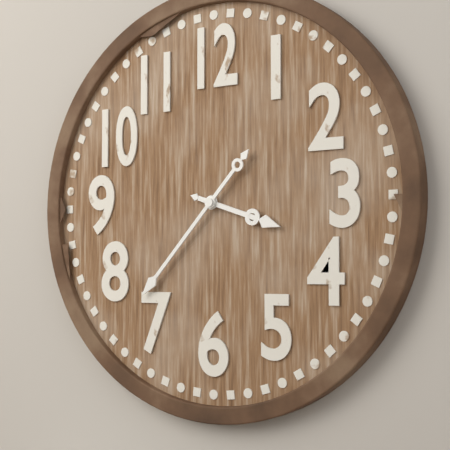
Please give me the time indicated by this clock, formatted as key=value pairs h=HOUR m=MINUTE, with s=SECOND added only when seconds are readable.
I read h=3 m=37
